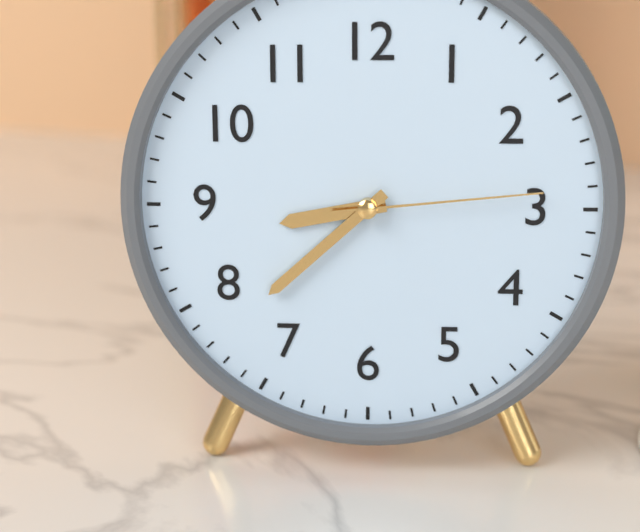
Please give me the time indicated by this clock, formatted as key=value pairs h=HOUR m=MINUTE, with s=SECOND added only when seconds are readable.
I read h=8 m=38 s=14
